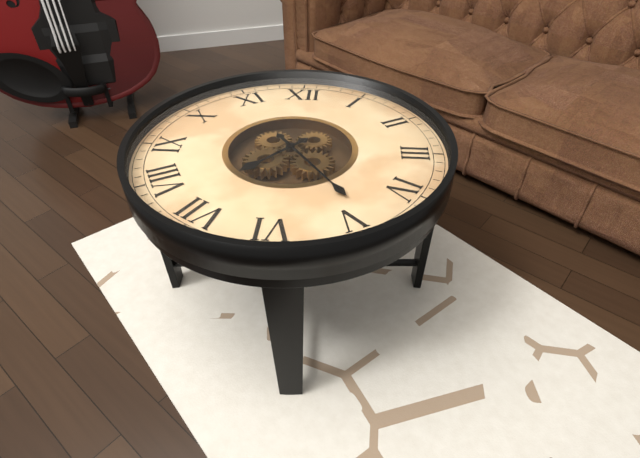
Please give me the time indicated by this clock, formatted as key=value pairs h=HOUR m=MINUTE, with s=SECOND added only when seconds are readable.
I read h=7 m=24
